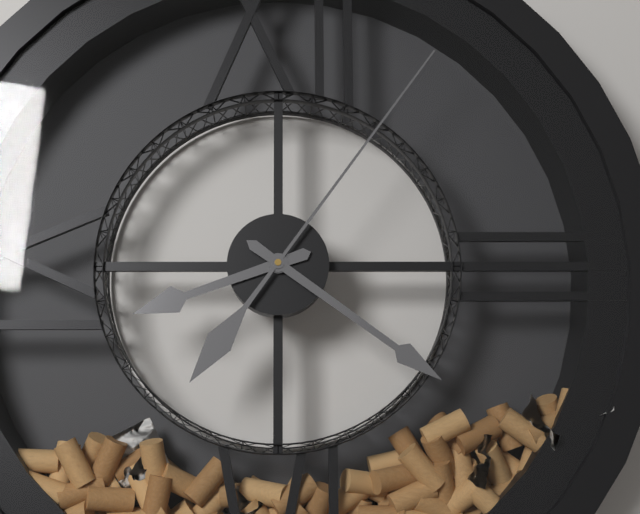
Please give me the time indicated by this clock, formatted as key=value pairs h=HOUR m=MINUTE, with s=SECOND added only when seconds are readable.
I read h=8 m=21 s=6
